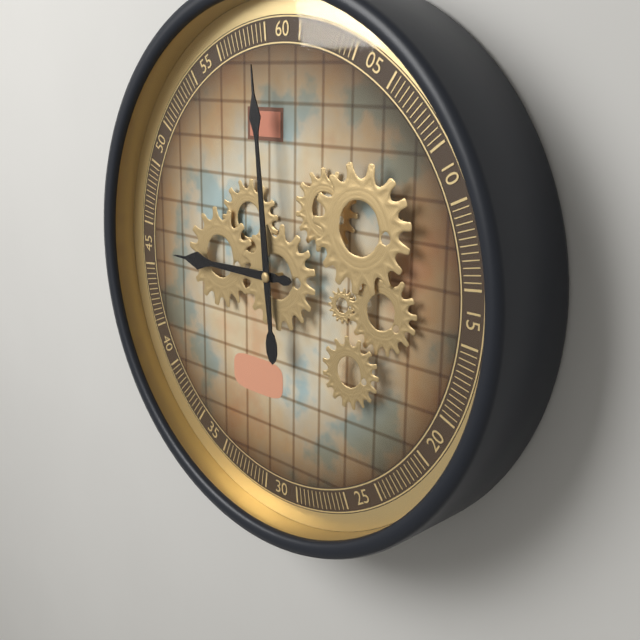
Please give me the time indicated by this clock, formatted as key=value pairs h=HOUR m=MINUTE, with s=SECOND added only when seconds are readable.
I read h=8 m=59
